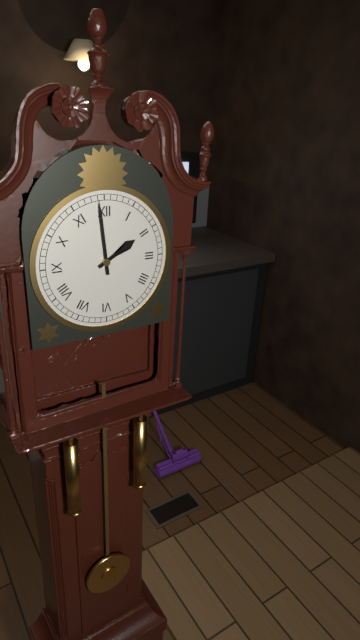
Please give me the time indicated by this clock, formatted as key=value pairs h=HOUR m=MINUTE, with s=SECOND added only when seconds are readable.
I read h=1 m=59
